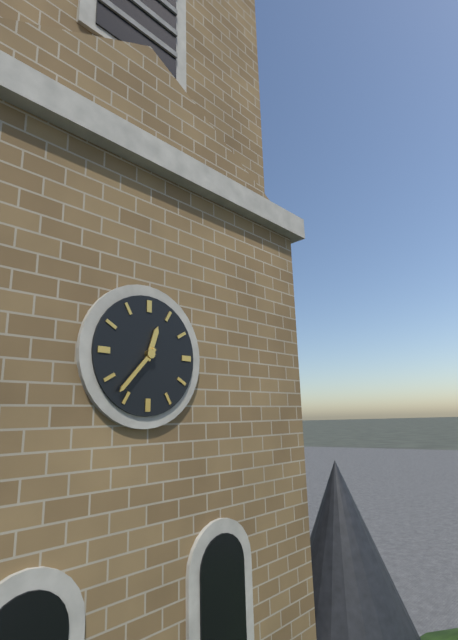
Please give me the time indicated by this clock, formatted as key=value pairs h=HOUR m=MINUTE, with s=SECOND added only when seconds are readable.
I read h=12 m=37
